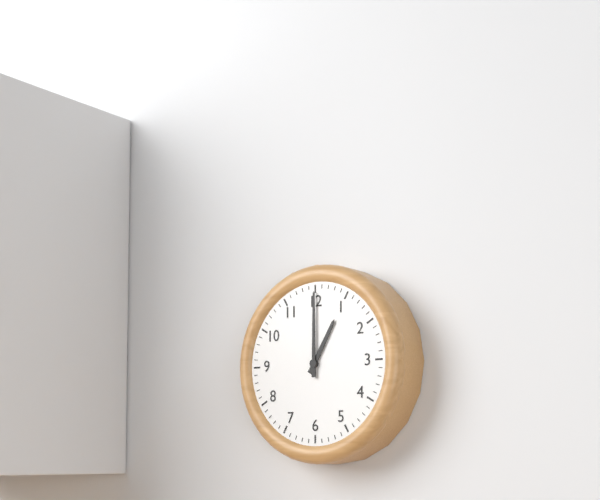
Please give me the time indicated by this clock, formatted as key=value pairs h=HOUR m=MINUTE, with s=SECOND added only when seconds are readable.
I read h=1 m=0
